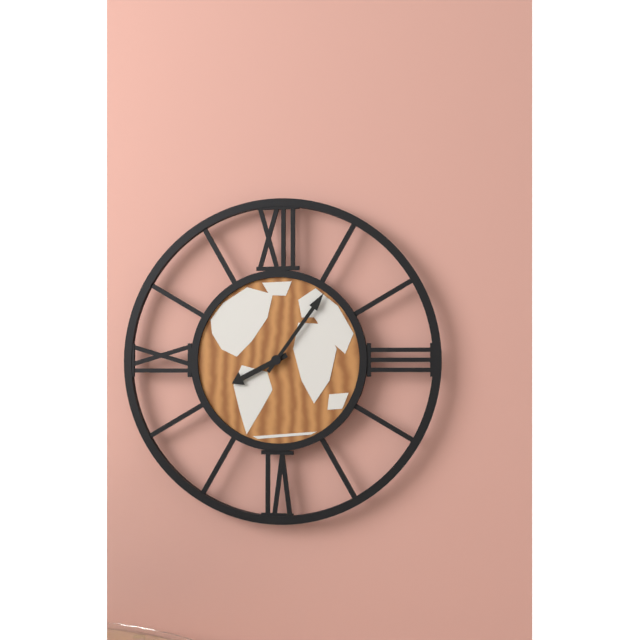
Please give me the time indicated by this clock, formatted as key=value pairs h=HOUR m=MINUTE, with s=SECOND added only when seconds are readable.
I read h=8 m=6
